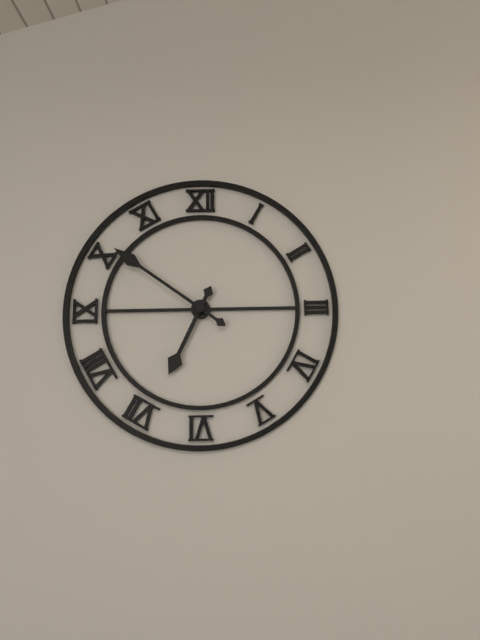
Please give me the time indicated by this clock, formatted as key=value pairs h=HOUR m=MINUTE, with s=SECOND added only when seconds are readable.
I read h=6 m=51
